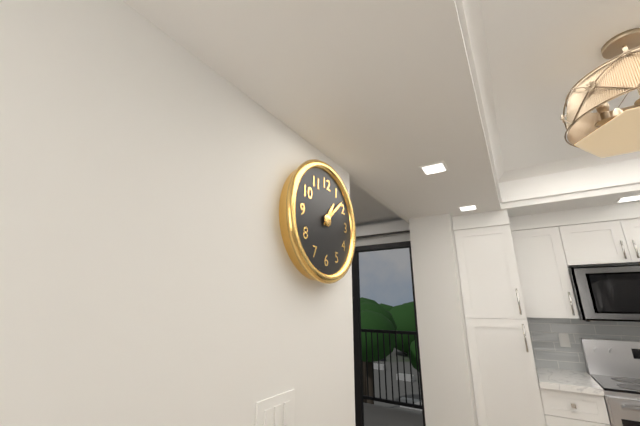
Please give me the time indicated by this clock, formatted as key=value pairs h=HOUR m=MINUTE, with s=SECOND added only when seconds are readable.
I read h=1 m=8
